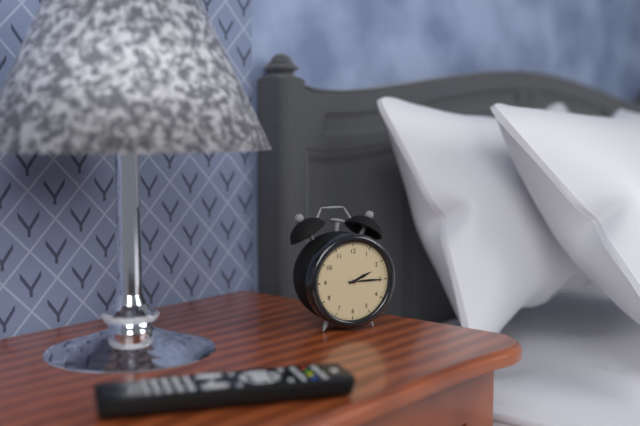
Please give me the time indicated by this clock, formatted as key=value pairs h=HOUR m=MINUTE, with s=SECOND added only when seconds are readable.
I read h=2 m=15
